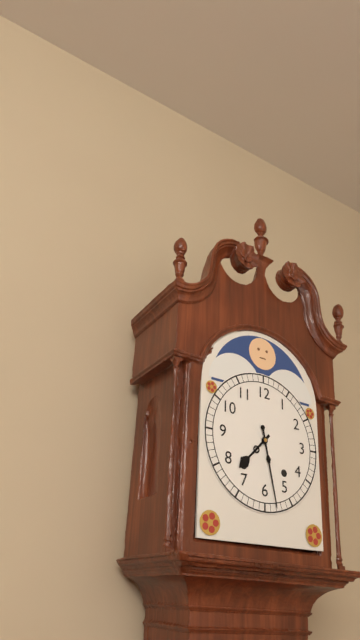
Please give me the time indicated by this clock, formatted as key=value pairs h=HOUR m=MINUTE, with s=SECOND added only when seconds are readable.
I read h=7 m=28
